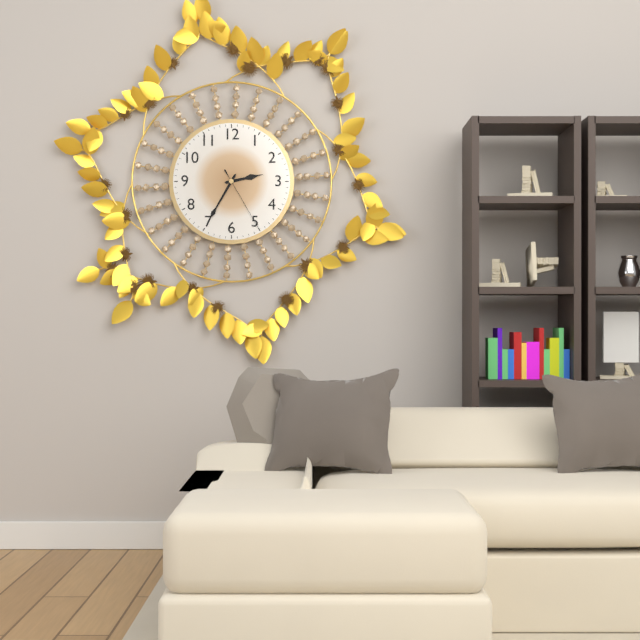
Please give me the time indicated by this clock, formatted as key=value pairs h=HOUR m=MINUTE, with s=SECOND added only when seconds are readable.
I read h=2 m=35 s=25
